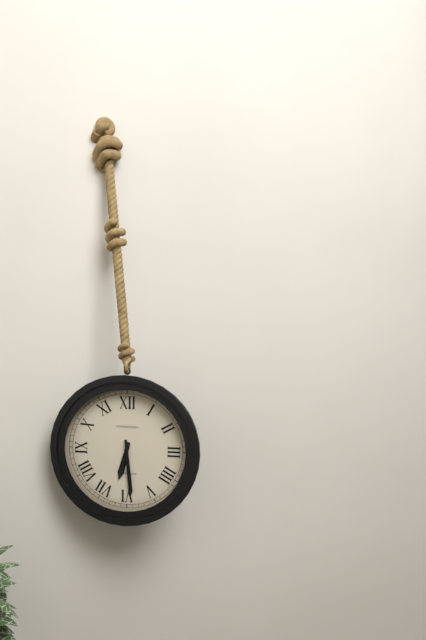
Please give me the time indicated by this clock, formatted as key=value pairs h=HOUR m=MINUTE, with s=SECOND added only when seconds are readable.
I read h=6 m=29
